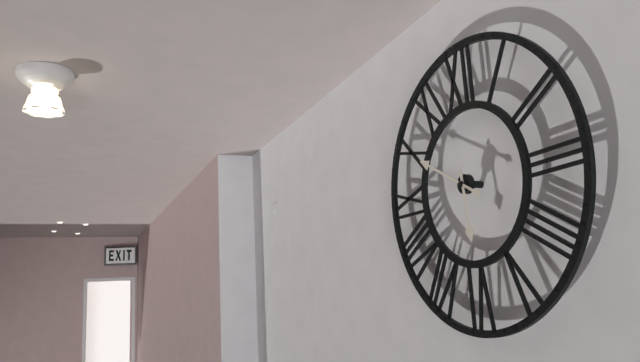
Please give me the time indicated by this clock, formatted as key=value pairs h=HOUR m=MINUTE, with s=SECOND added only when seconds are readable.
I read h=5 m=50
